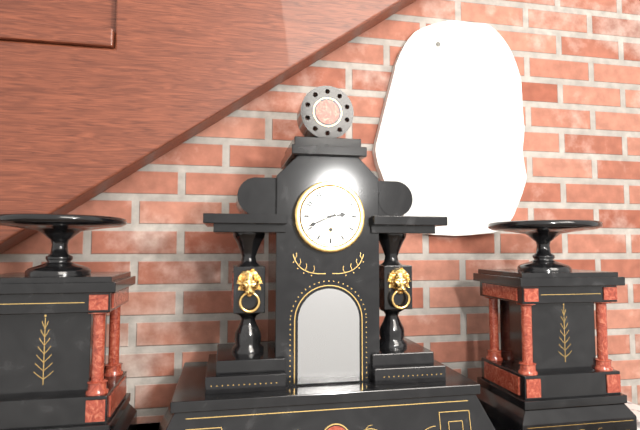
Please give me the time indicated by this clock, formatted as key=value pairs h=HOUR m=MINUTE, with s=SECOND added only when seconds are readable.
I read h=2 m=41
